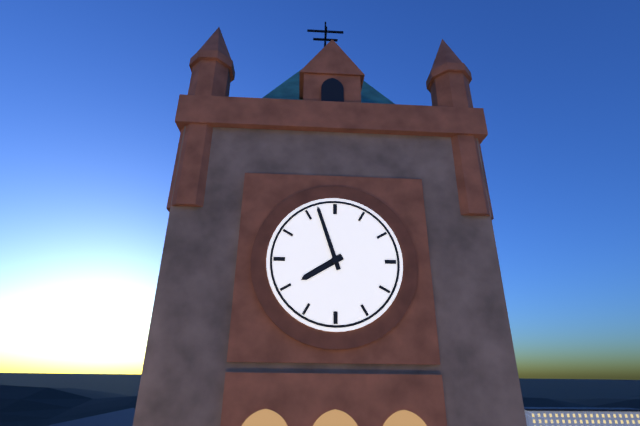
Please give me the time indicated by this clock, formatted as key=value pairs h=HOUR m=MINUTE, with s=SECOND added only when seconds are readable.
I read h=7 m=57
